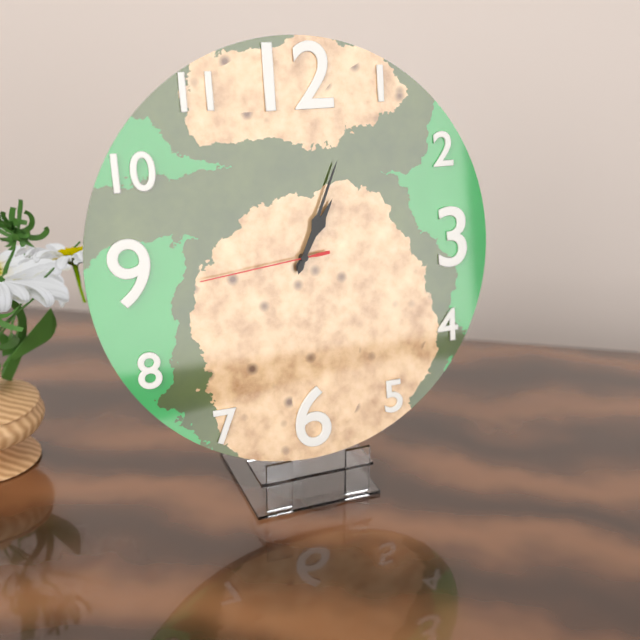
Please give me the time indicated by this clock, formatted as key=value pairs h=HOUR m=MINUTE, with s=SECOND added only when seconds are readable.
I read h=1 m=4 s=44
